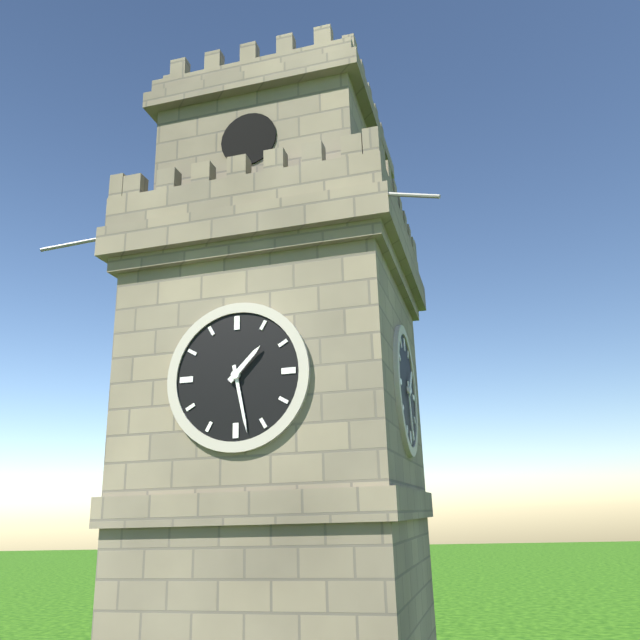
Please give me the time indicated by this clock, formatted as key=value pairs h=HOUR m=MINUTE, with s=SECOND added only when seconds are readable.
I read h=1 m=28
